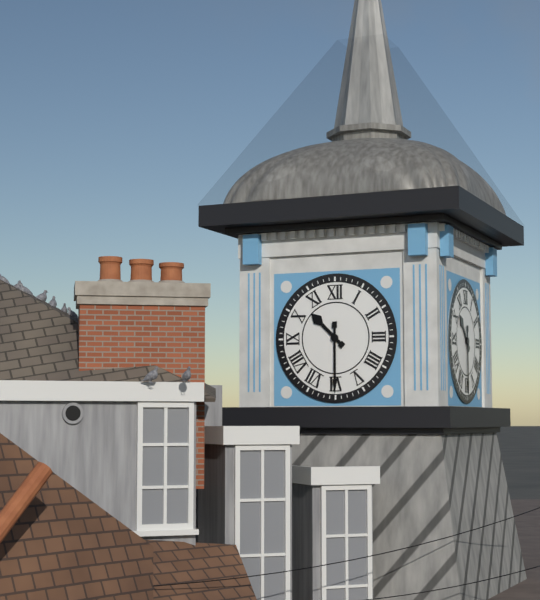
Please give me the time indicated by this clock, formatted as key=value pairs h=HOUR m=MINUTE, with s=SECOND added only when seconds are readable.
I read h=10 m=30
